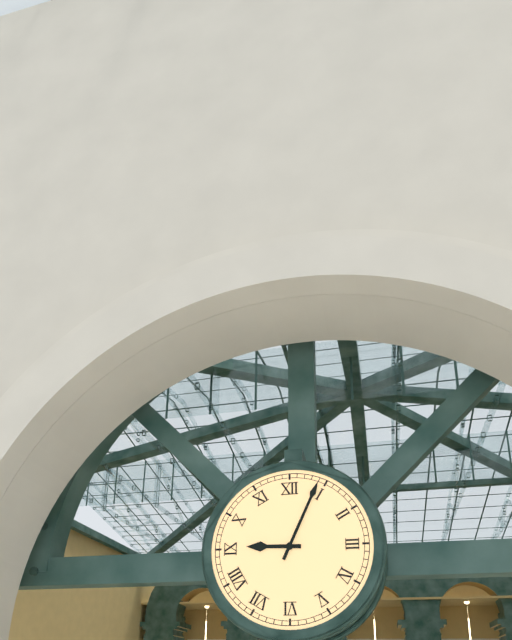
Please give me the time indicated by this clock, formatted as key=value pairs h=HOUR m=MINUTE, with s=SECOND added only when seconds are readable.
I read h=9 m=4
